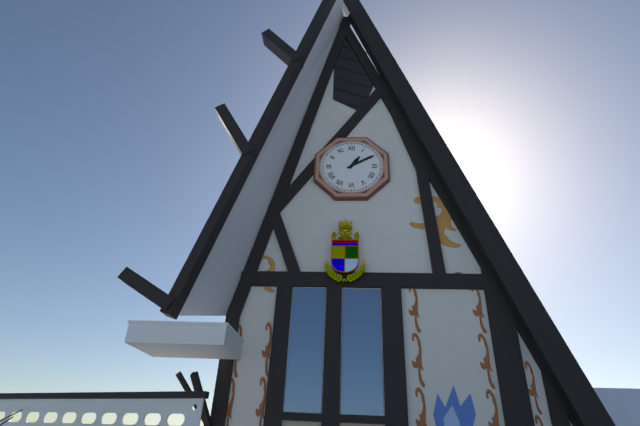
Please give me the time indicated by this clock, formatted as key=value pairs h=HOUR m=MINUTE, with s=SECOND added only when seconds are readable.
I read h=1 m=10
